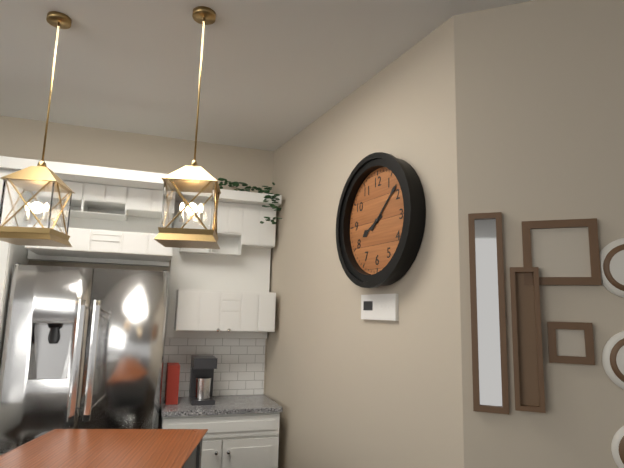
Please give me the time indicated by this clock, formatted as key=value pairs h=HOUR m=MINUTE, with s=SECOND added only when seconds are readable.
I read h=8 m=8
